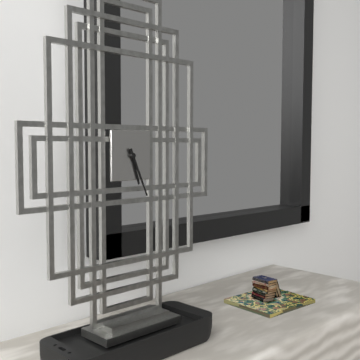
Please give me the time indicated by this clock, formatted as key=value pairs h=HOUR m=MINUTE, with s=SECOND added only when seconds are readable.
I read h=5 m=26
